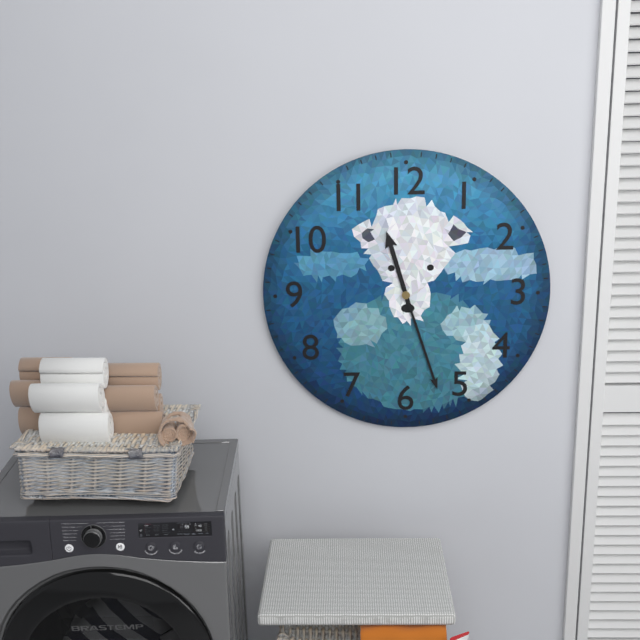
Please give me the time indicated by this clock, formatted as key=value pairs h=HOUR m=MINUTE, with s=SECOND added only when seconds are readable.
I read h=11 m=27
